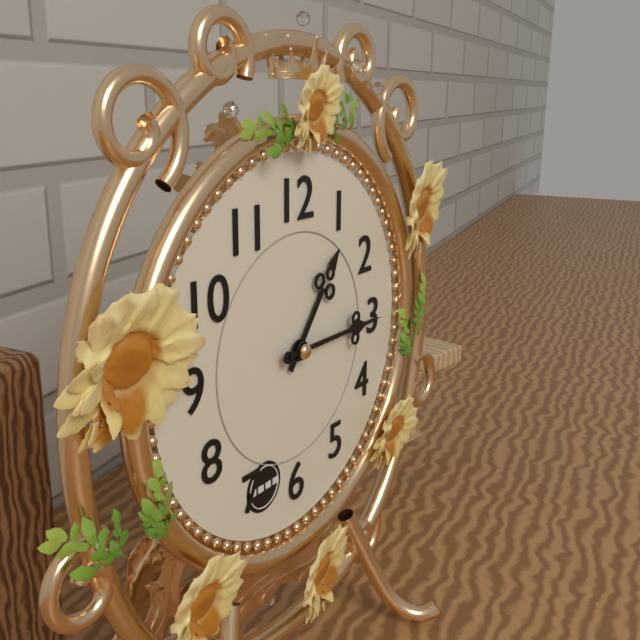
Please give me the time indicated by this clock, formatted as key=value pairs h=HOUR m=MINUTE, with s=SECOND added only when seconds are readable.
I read h=1 m=15
